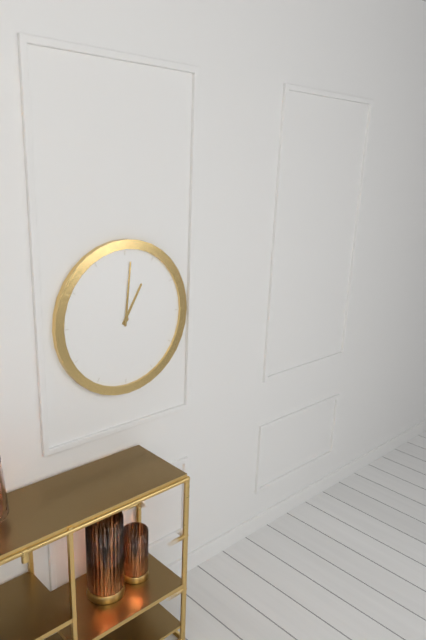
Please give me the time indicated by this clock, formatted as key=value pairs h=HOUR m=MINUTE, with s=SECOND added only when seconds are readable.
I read h=1 m=1
